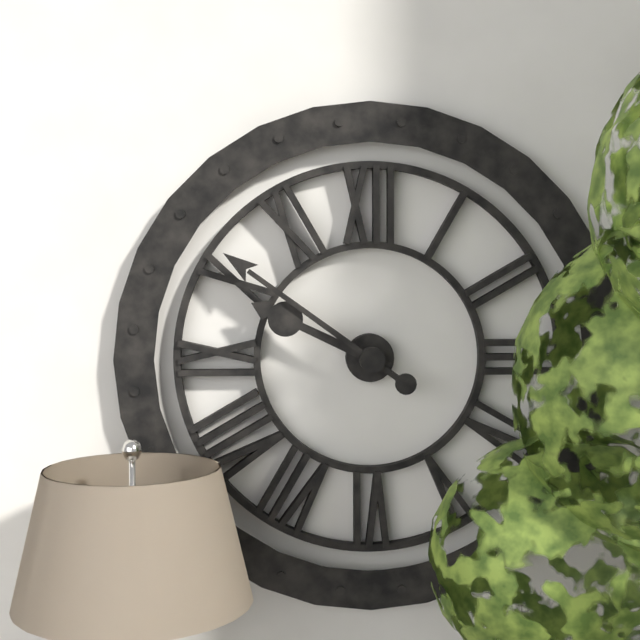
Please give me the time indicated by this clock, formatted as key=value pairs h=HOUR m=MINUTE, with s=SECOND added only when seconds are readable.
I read h=9 m=51
